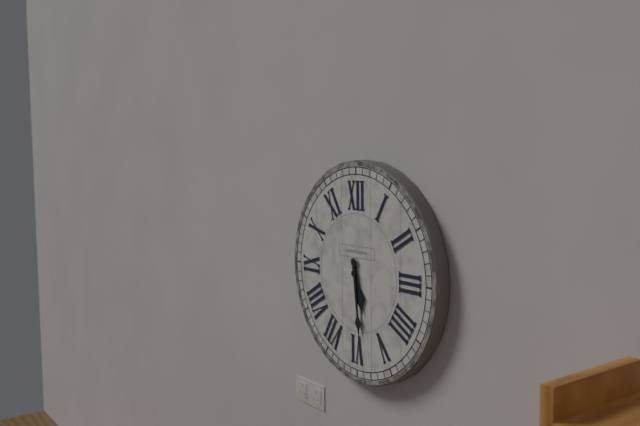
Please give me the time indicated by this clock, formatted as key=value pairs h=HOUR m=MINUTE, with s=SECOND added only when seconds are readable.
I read h=5 m=29
